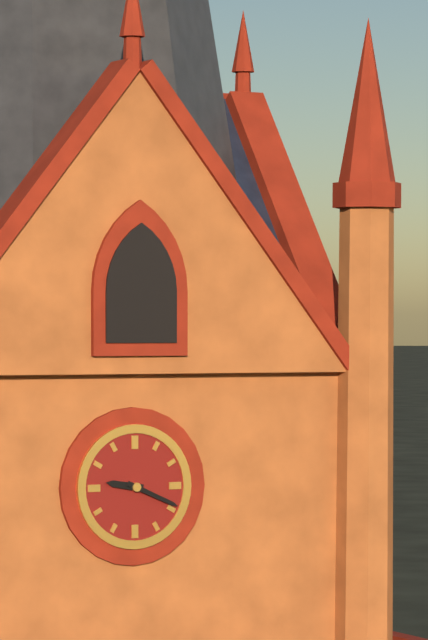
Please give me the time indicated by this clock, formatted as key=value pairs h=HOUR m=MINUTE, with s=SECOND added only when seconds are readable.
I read h=9 m=19
